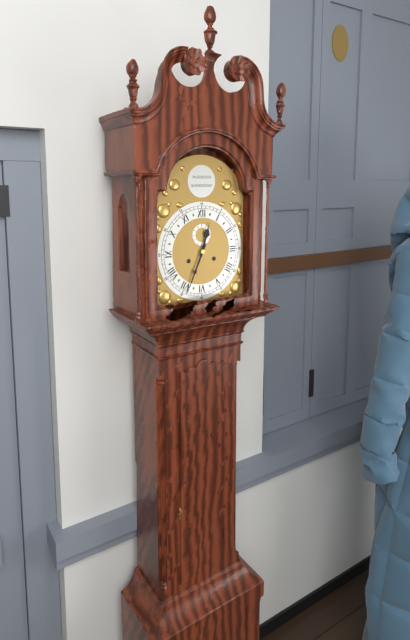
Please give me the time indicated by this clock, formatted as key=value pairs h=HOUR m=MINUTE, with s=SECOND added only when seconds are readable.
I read h=12 m=34
